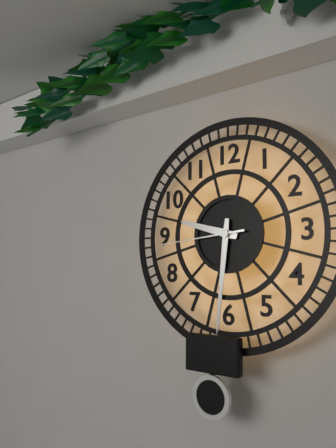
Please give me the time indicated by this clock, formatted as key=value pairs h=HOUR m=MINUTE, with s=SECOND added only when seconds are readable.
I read h=9 m=31 s=44
